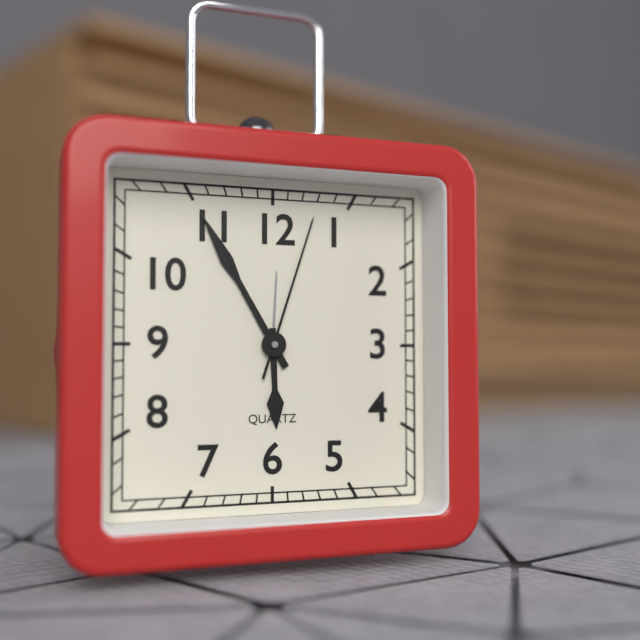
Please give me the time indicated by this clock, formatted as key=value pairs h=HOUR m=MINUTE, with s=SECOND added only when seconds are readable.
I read h=5 m=55 s=3
